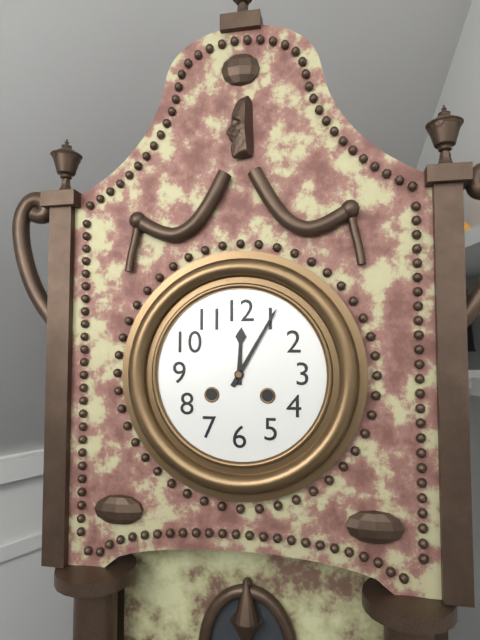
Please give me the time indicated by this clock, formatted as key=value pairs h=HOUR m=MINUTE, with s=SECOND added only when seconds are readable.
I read h=12 m=5
